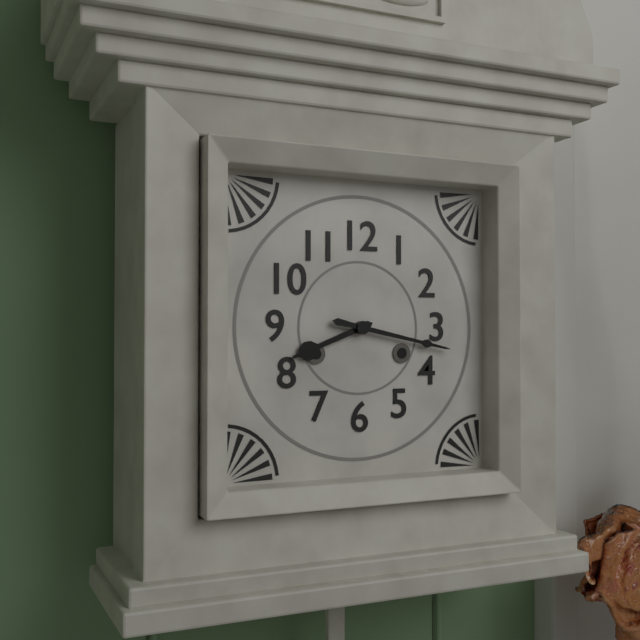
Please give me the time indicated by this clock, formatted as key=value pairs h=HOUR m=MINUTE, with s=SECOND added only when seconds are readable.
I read h=8 m=17
